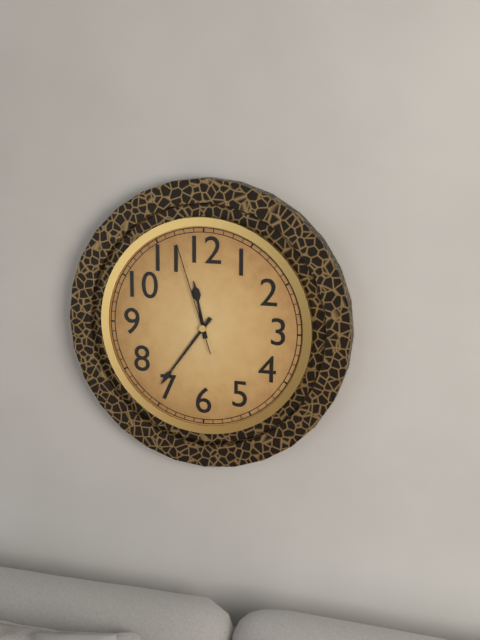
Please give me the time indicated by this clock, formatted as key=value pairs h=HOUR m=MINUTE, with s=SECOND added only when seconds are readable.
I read h=11 m=36 s=57
